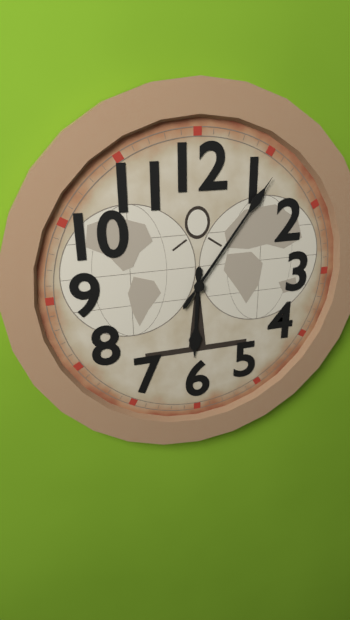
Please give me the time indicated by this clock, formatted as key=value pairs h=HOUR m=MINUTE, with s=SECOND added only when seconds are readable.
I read h=6 m=6
